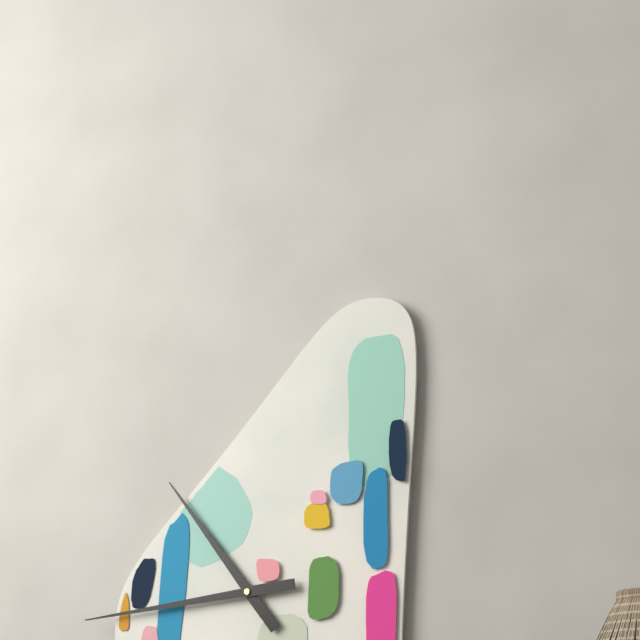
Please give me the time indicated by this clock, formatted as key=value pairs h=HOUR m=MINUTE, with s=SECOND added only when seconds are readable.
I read h=10 m=44
